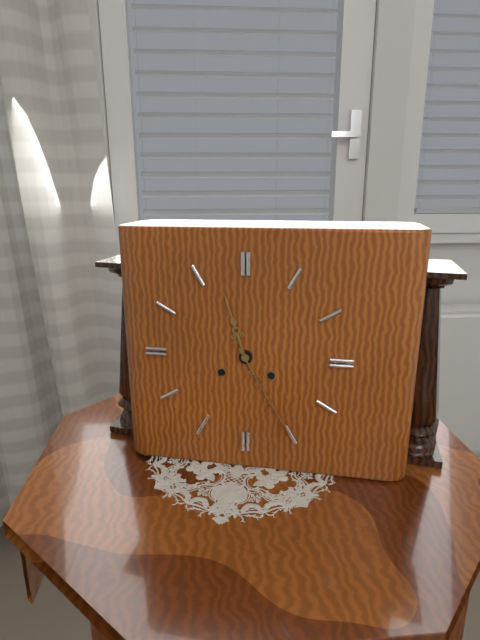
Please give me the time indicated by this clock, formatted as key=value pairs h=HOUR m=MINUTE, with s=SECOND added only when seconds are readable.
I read h=11 m=25
